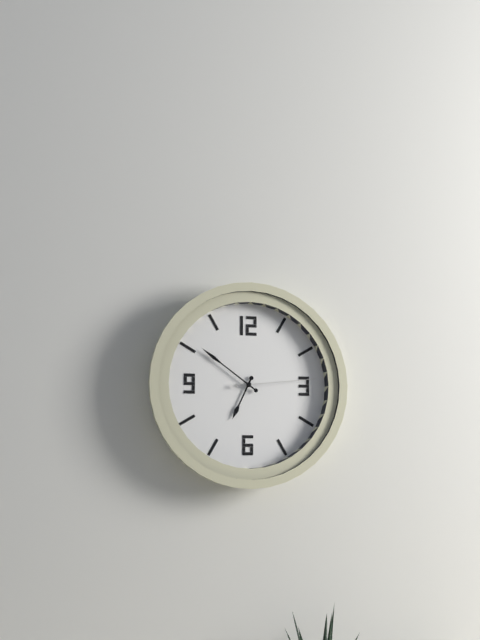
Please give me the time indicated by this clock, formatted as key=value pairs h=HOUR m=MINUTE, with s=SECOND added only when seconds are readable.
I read h=6 m=51 s=14
